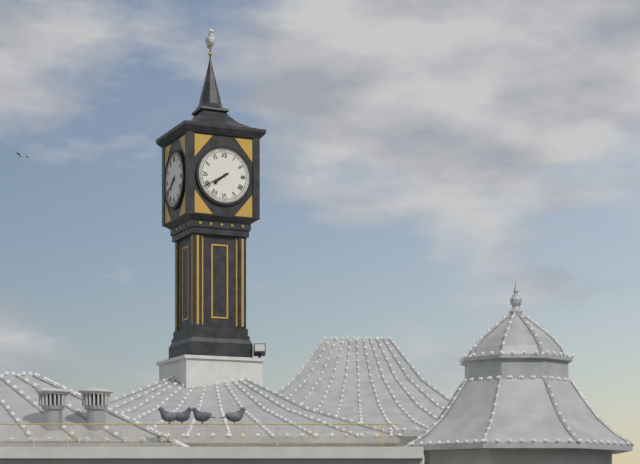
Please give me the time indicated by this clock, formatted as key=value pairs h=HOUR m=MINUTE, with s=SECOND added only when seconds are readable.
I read h=7 m=40
